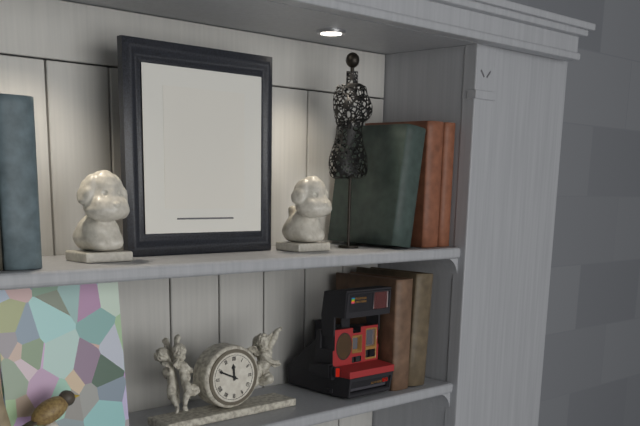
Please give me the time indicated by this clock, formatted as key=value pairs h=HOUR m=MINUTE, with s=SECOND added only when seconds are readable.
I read h=11 m=49
